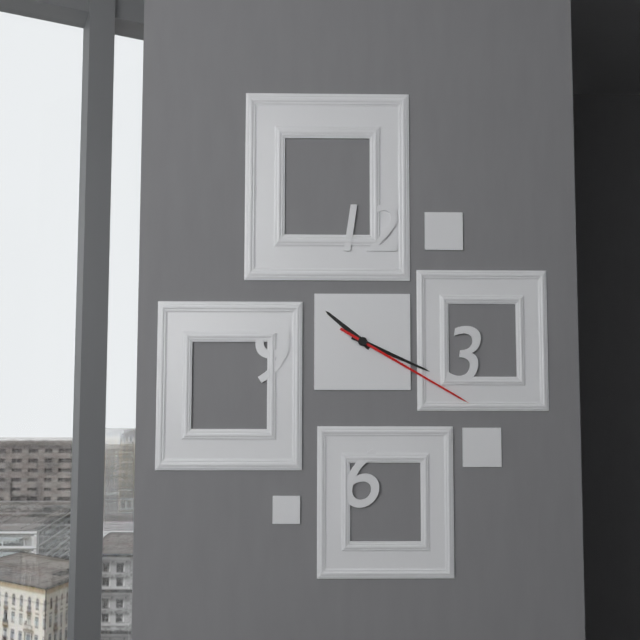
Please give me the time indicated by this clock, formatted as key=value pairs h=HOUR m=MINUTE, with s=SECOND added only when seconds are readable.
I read h=10 m=19 s=20
